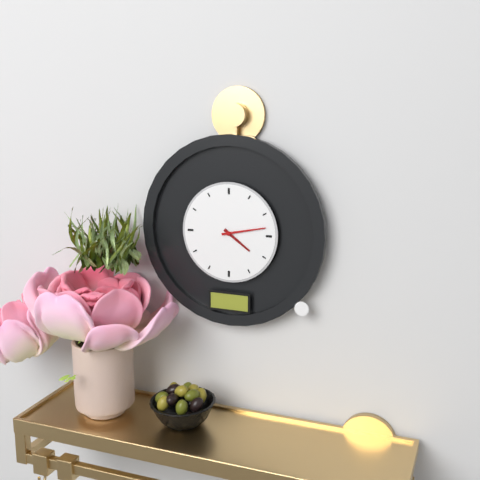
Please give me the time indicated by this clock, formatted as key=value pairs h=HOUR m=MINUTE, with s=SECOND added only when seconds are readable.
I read h=4 m=13
